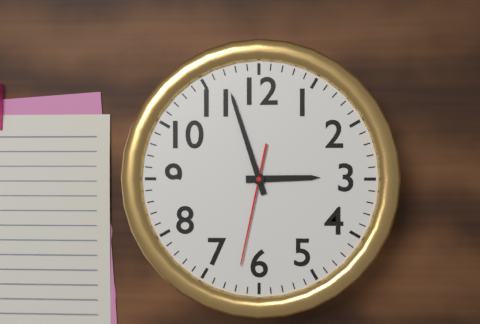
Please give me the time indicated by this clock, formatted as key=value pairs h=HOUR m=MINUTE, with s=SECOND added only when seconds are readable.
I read h=2 m=57 s=32
